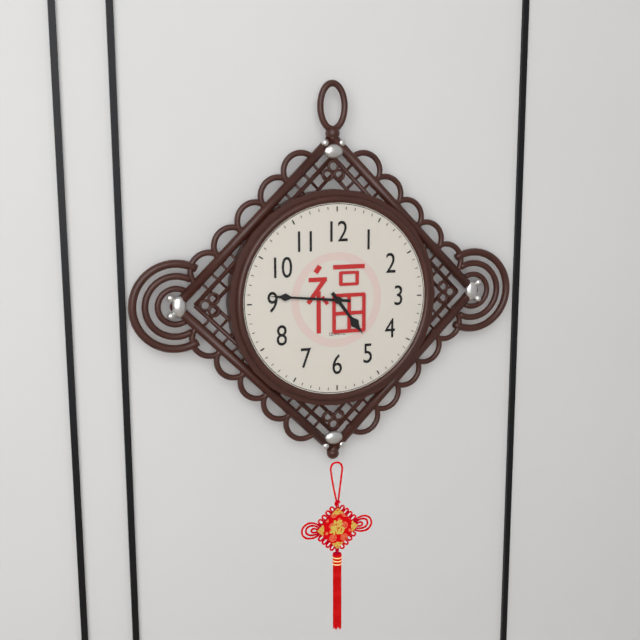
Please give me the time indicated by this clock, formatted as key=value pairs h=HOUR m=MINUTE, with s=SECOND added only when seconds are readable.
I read h=4 m=46
